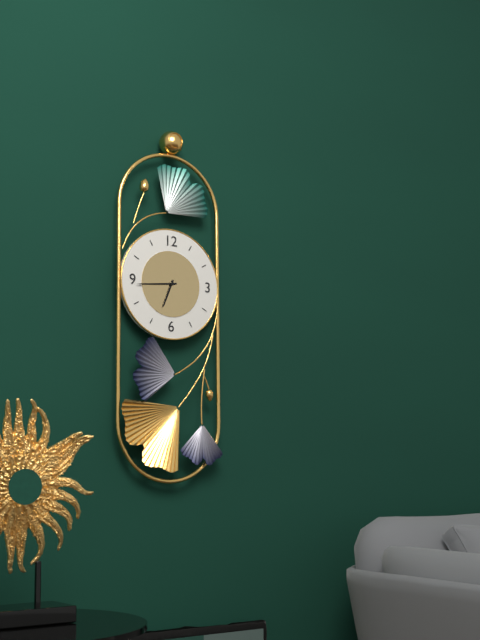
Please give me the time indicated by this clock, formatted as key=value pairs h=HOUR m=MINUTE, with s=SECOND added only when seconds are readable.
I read h=6 m=44
